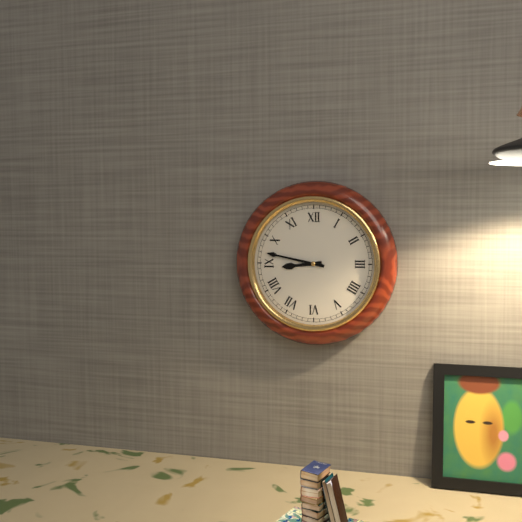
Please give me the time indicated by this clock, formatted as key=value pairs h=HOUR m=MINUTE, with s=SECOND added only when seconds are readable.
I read h=8 m=47
